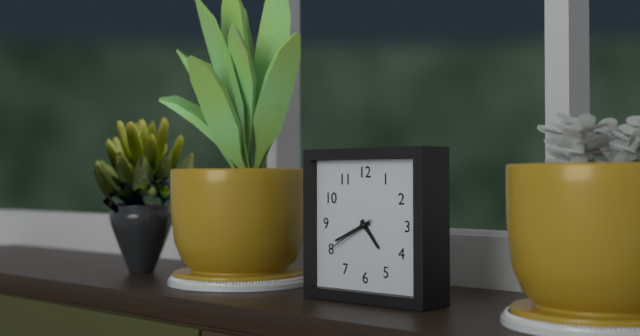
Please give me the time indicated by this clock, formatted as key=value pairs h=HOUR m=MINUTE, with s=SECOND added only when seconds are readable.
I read h=4 m=41
